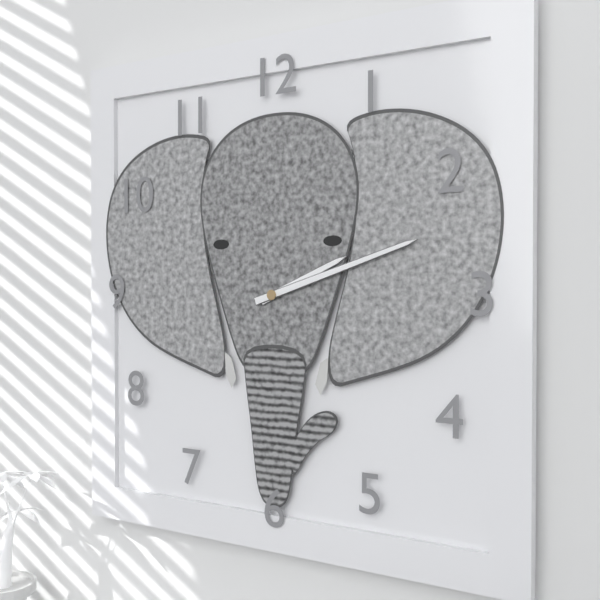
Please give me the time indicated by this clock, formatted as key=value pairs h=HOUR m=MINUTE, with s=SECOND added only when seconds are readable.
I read h=2 m=12
